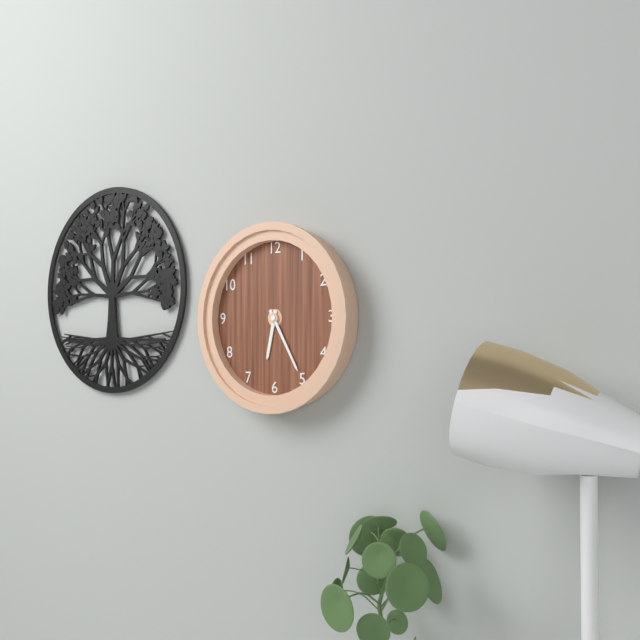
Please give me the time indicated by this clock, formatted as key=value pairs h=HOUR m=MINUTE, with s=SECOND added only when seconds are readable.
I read h=6 m=25
